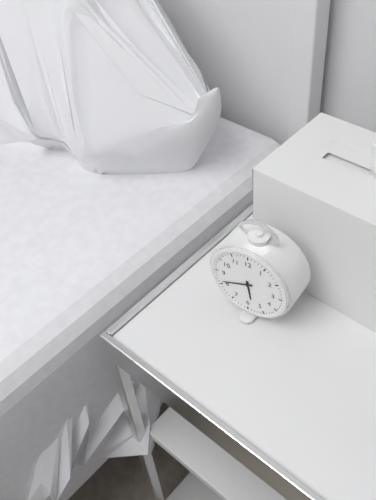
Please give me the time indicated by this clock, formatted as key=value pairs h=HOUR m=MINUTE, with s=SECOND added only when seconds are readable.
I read h=5 m=41
